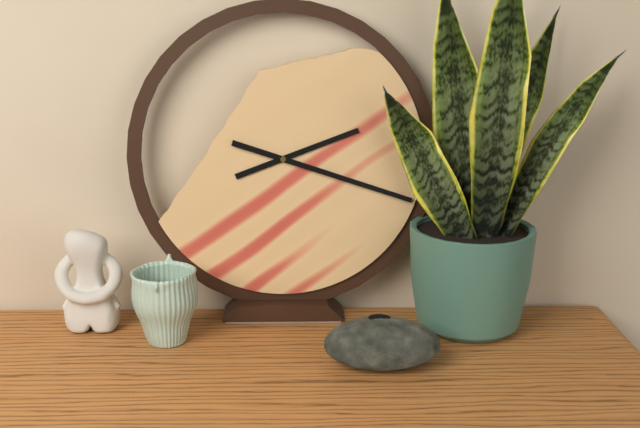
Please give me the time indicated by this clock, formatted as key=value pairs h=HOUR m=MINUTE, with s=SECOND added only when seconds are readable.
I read h=2 m=18
